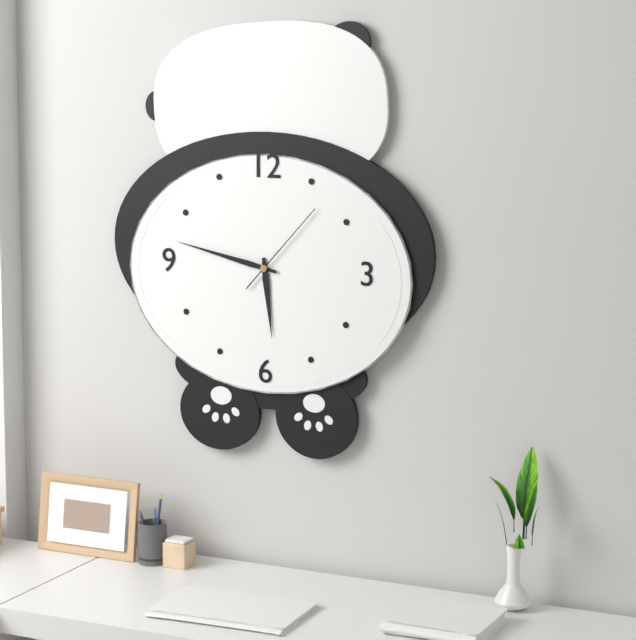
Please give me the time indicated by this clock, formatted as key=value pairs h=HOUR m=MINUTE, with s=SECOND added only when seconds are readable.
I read h=5 m=47 s=7
